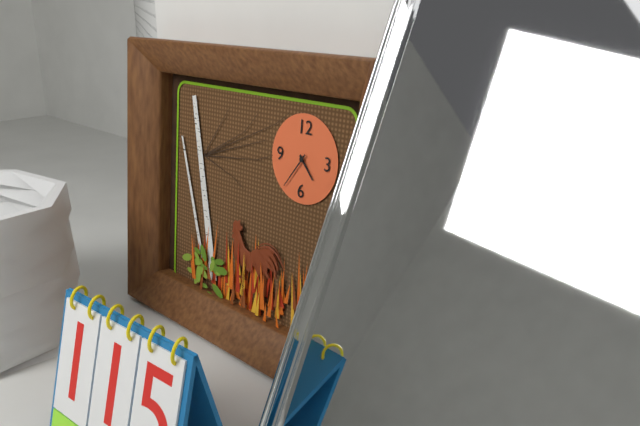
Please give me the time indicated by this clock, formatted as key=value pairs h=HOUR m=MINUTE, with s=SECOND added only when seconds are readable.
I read h=4 m=36
